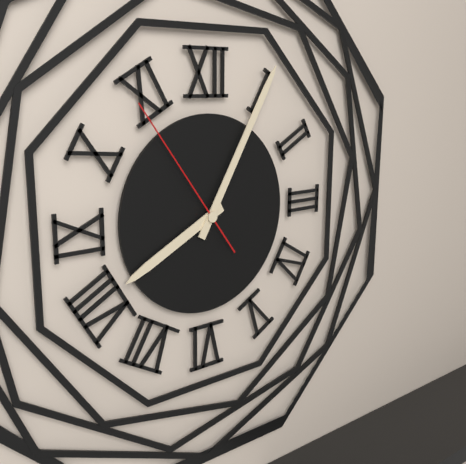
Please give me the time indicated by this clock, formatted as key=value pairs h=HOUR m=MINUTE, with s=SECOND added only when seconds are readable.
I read h=8 m=5 s=54
